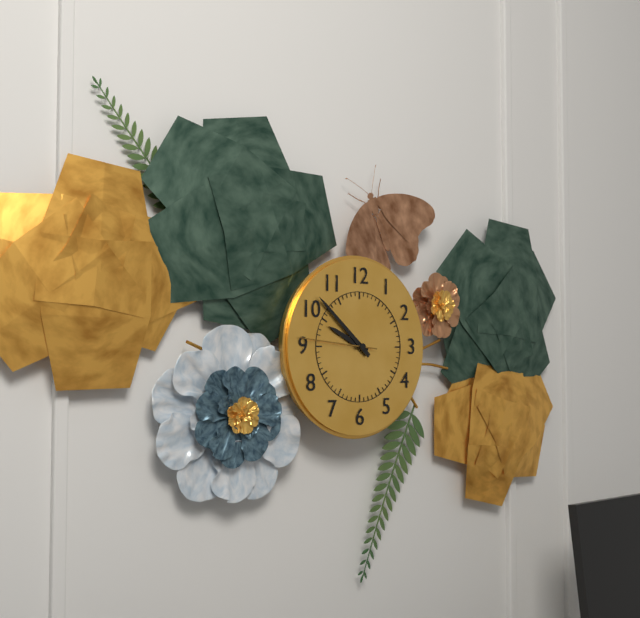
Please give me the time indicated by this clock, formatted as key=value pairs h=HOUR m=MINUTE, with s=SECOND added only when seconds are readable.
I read h=9 m=52 s=46
